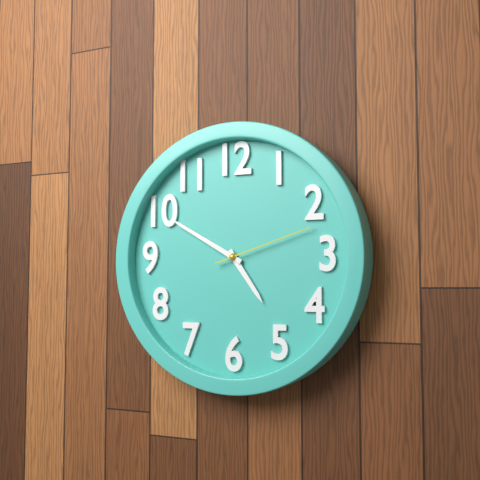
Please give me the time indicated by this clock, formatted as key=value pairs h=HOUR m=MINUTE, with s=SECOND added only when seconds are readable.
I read h=4 m=50 s=12
